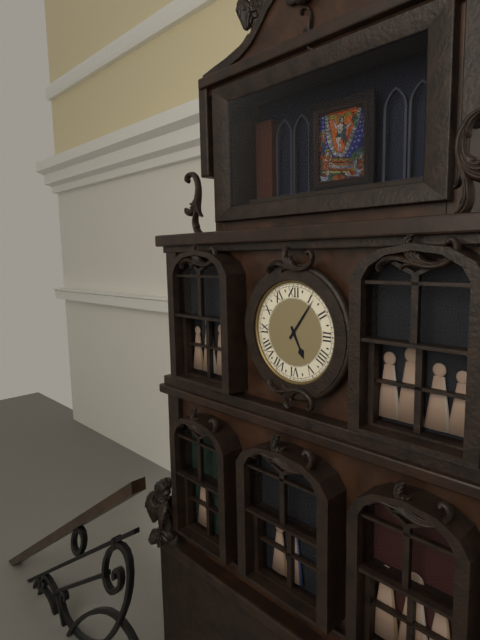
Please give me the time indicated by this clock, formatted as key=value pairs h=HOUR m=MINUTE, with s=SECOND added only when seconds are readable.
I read h=5 m=6
